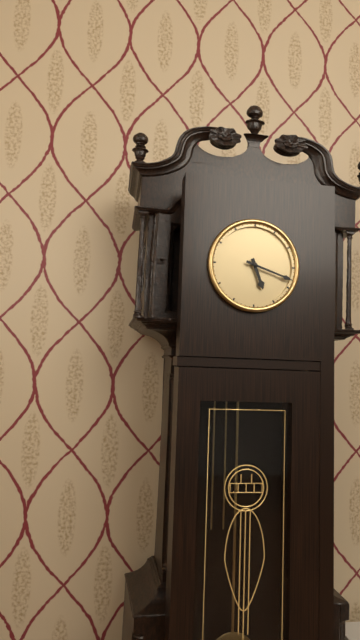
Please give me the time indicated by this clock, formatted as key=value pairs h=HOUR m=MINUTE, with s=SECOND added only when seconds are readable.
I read h=5 m=18
